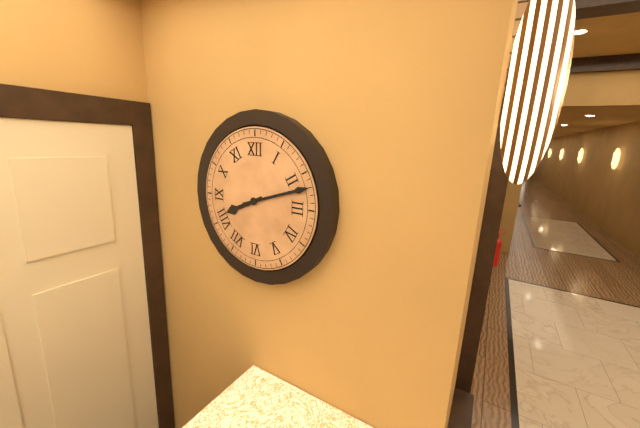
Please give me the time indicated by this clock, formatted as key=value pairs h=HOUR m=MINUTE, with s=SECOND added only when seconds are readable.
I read h=8 m=12
